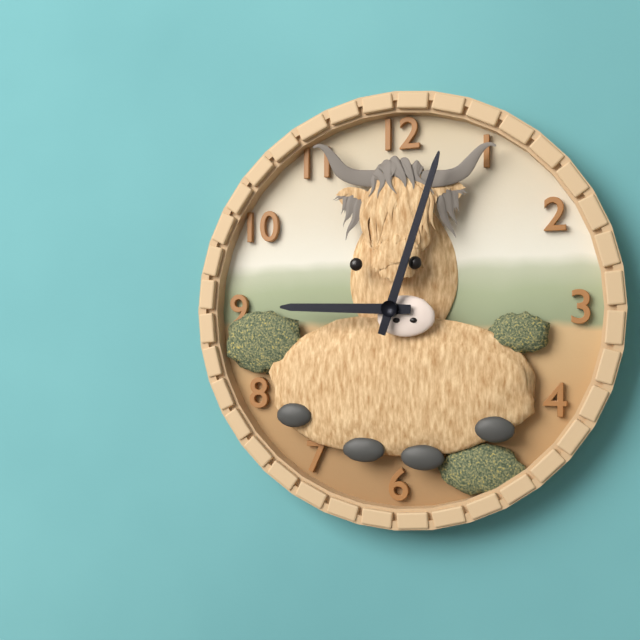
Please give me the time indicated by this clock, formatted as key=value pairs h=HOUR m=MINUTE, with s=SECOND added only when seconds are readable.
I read h=9 m=3
